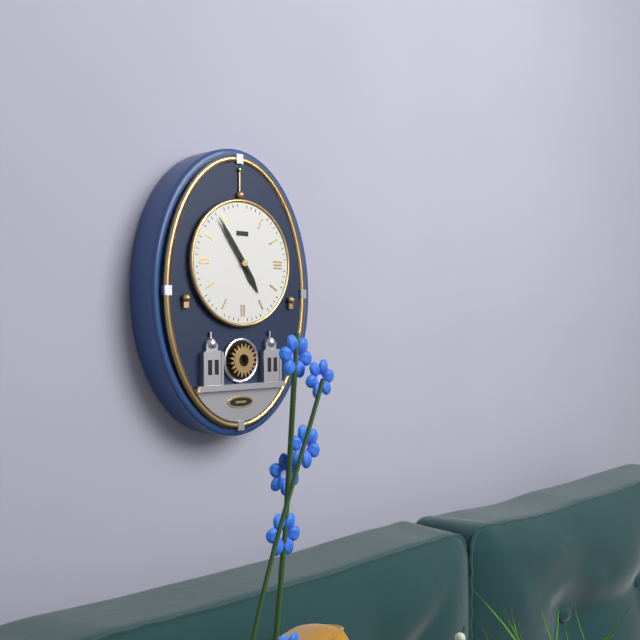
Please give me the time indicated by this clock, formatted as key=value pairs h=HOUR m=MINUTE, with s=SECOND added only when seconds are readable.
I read h=4 m=54
